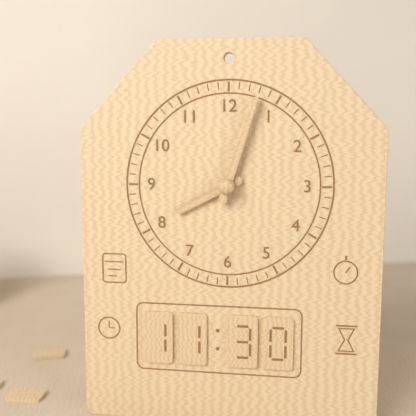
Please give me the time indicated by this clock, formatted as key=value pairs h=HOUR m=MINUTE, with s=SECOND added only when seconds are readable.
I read h=8 m=3
